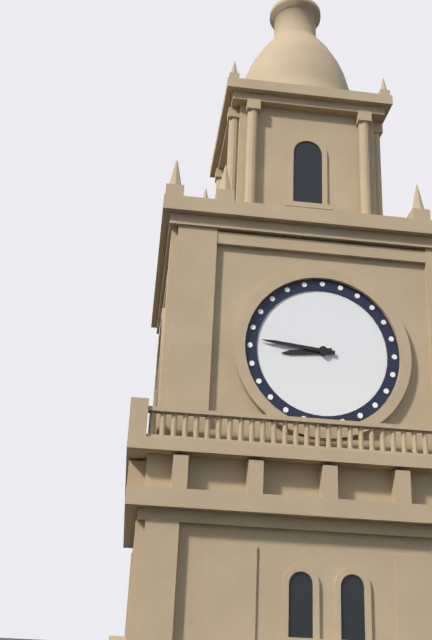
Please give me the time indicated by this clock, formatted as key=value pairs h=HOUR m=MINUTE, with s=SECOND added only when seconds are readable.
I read h=8 m=46
